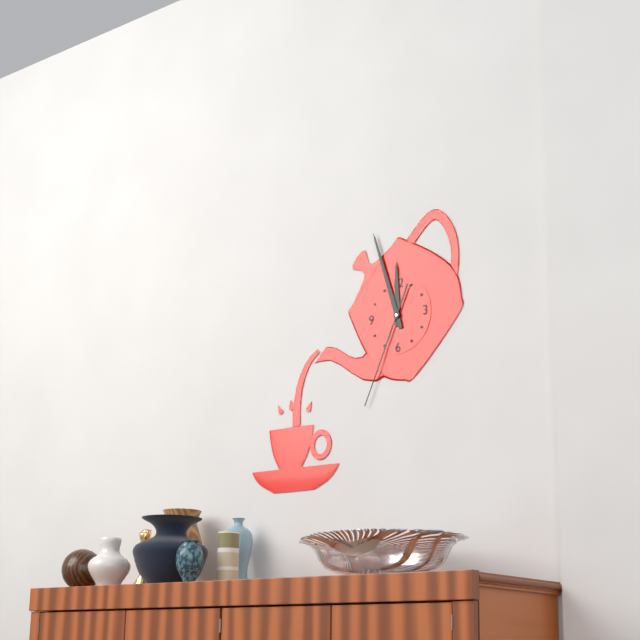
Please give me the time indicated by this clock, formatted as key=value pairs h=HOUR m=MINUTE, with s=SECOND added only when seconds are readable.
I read h=11 m=57 s=34
